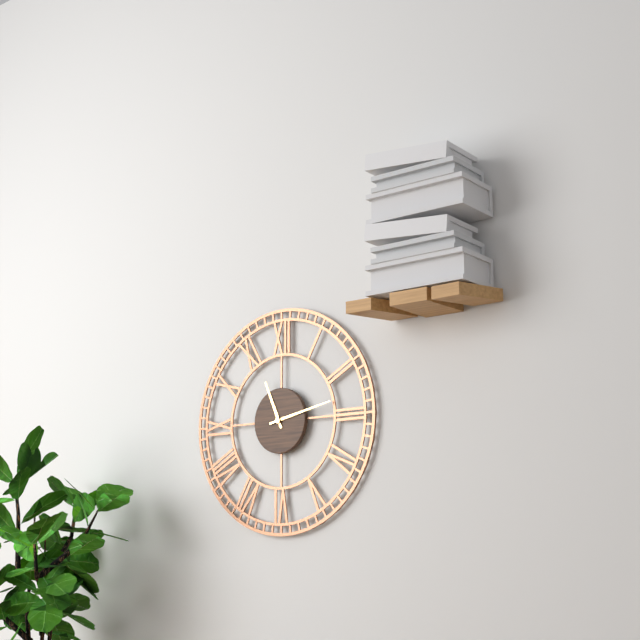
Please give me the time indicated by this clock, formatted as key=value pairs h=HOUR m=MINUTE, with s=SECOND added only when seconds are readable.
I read h=11 m=13
